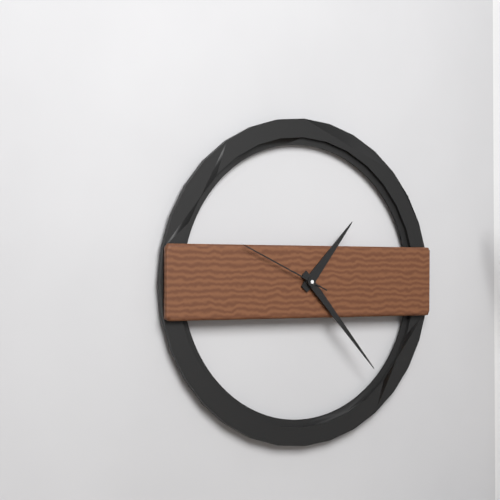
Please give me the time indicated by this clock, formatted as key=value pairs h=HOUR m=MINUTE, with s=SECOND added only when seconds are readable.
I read h=1 m=23 s=49
